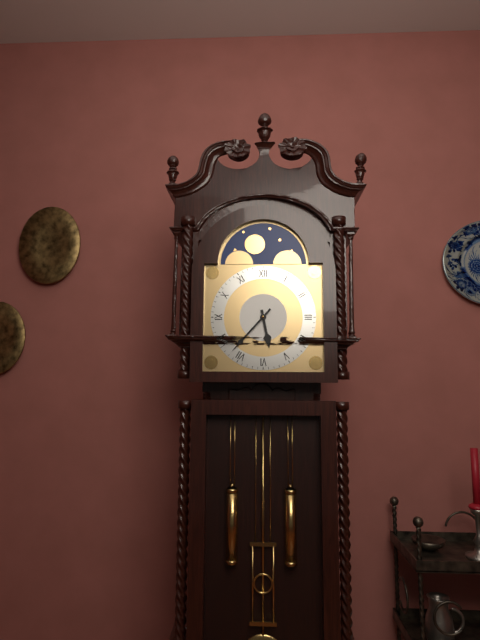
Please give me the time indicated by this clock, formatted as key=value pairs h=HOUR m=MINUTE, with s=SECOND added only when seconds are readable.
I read h=5 m=37
